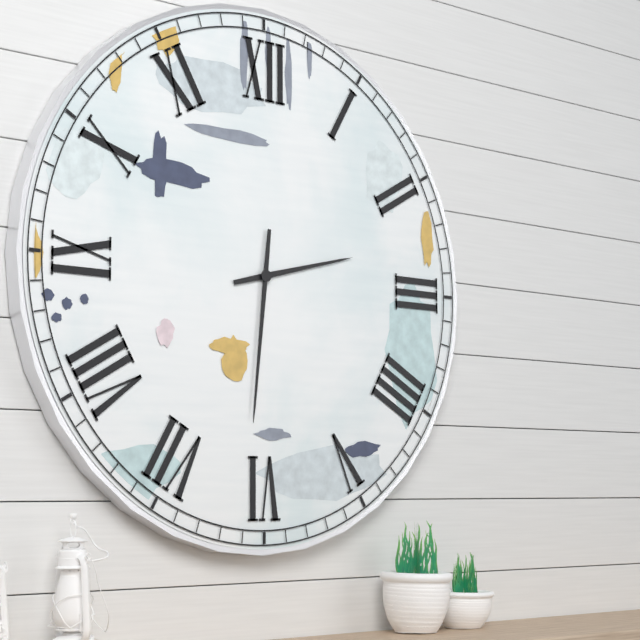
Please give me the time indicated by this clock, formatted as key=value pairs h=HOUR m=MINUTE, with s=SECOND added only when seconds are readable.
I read h=2 m=31
